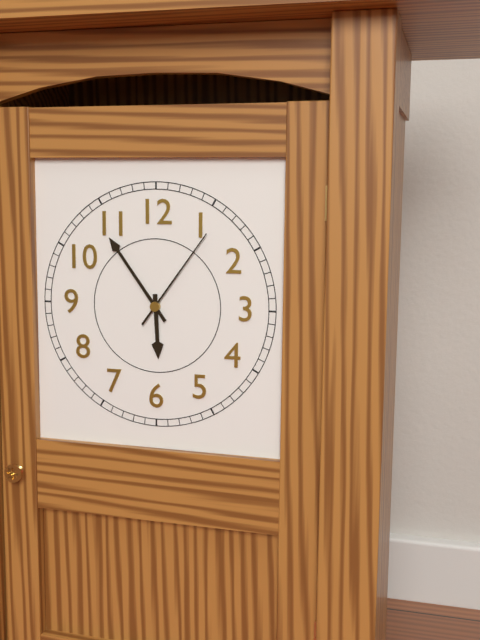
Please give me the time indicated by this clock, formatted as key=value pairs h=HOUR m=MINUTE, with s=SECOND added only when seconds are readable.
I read h=5 m=54 s=6
